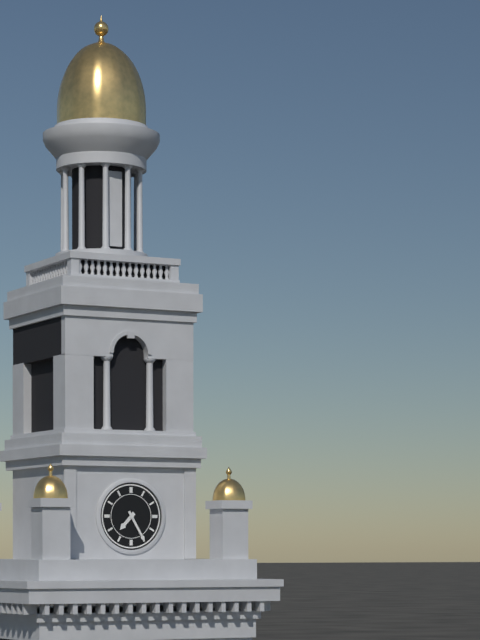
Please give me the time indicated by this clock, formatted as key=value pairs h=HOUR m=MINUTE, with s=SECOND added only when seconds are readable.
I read h=7 m=25
